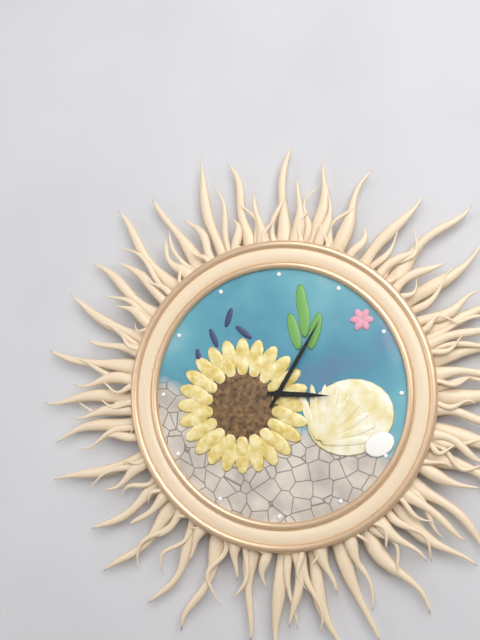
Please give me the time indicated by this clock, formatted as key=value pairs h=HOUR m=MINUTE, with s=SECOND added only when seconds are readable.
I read h=3 m=5
